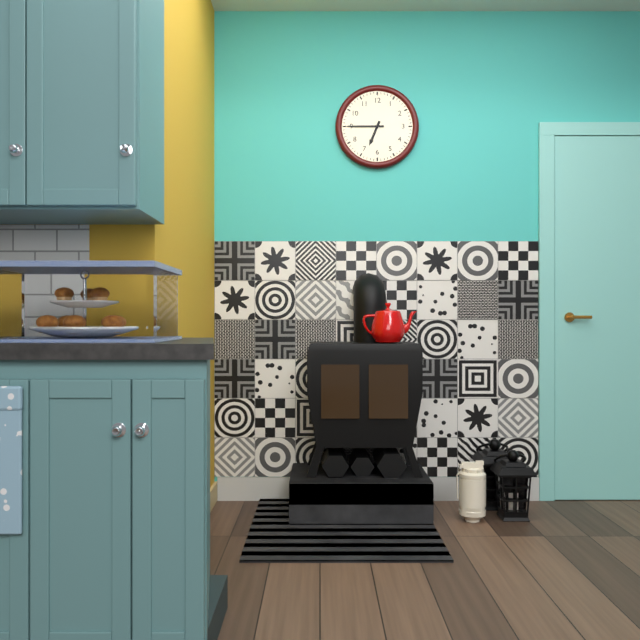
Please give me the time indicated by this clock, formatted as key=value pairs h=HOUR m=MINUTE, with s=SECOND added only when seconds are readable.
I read h=6 m=45
